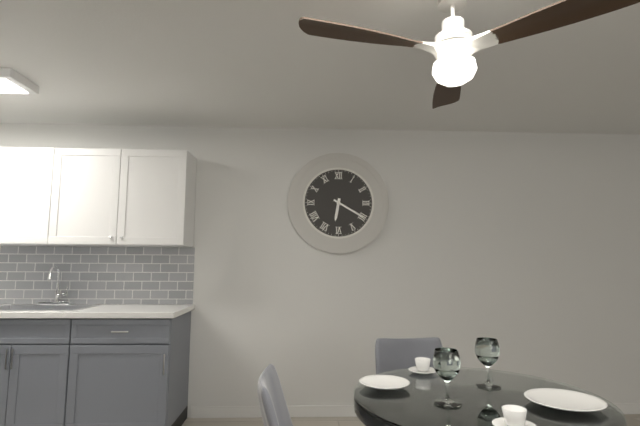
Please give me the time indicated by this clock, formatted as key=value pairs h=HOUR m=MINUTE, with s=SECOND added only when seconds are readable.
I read h=6 m=20
